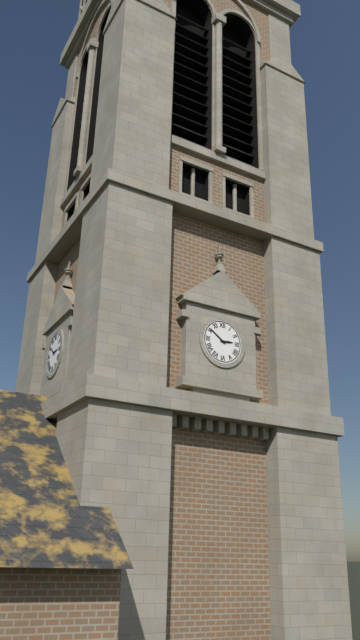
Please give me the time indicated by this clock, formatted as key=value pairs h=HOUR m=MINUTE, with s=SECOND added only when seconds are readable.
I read h=2 m=51
